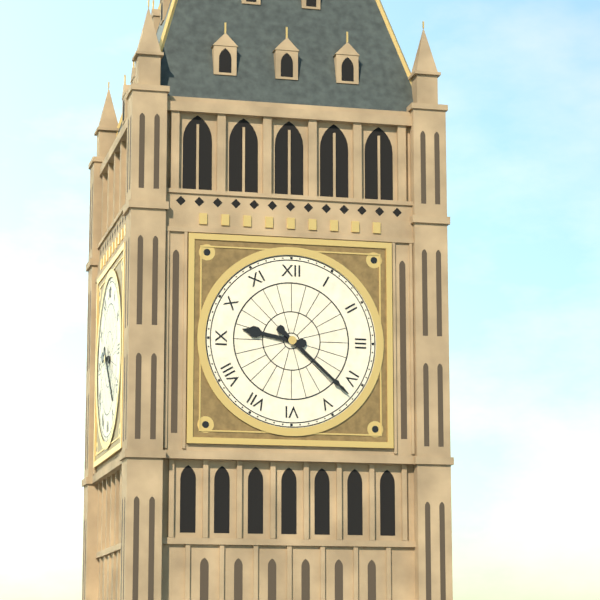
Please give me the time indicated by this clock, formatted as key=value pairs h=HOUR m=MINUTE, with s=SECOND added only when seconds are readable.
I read h=9 m=22
